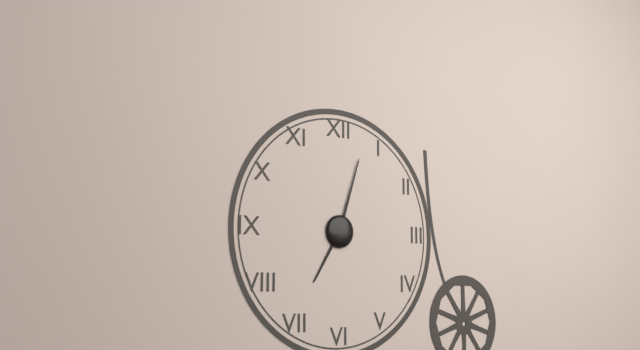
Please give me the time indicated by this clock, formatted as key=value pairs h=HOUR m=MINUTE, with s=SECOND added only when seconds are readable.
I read h=7 m=3
